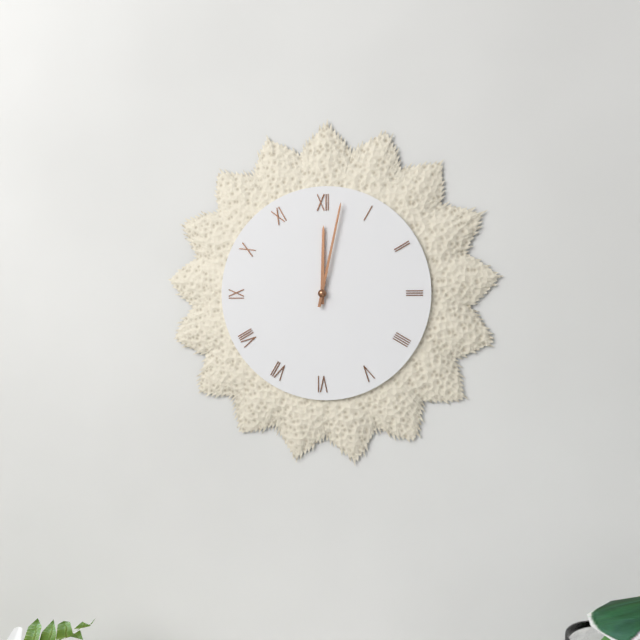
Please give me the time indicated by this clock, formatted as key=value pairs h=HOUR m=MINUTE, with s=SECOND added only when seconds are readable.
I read h=12 m=2
